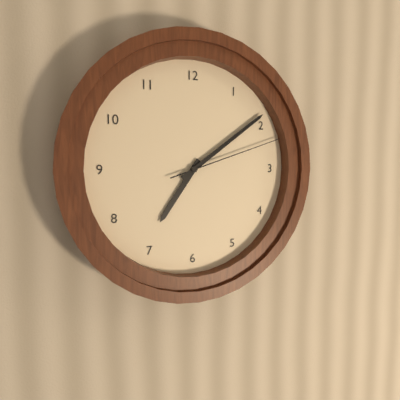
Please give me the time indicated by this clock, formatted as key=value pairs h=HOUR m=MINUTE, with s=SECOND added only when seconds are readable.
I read h=7 m=9 s=12
